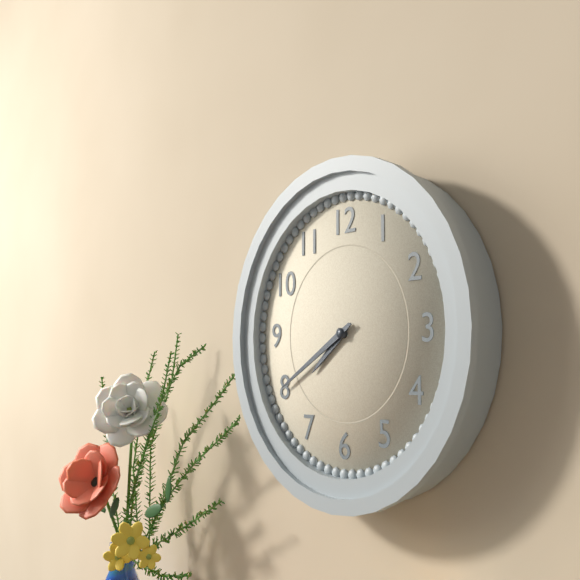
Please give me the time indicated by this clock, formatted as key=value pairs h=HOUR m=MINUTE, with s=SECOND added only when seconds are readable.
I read h=7 m=40
